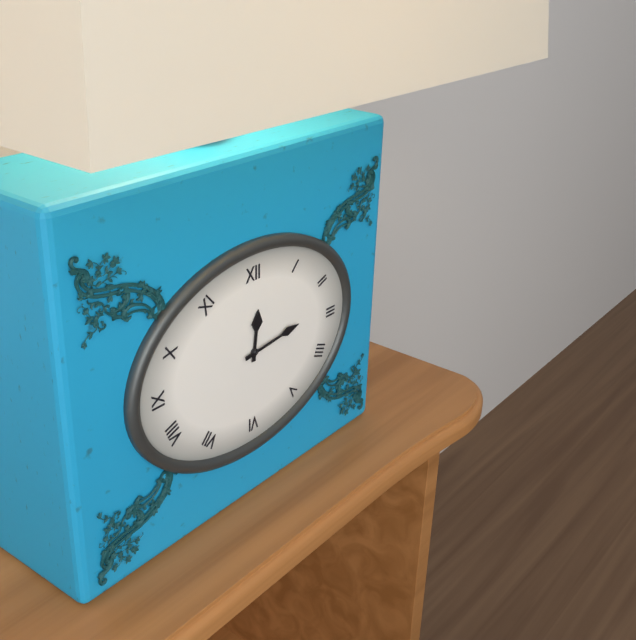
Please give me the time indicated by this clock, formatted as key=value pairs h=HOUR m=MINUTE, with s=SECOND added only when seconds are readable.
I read h=12 m=14
